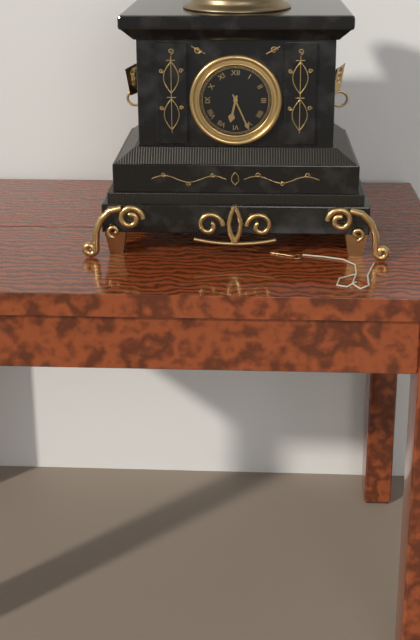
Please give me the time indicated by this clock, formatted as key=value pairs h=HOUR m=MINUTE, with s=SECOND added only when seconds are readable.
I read h=6 m=26
